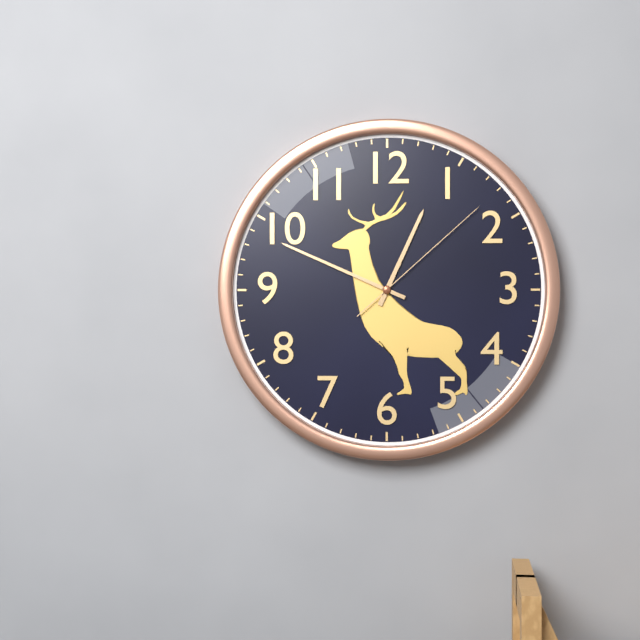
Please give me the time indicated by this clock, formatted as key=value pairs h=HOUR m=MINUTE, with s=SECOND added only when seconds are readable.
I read h=12 m=49 s=8
